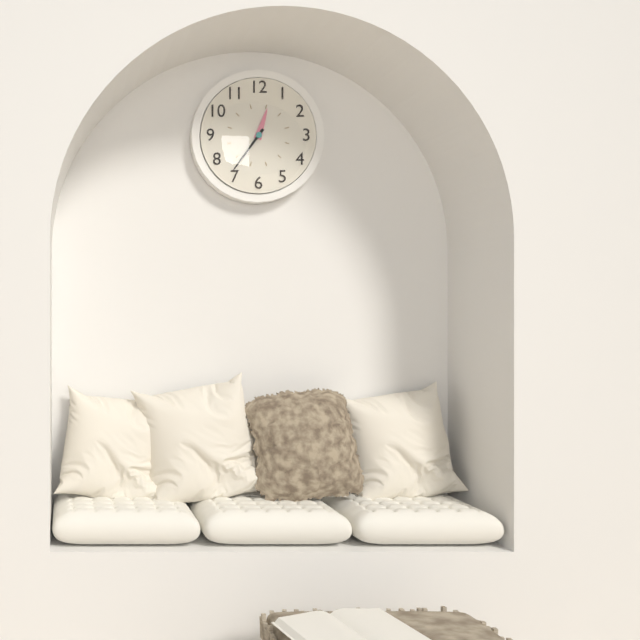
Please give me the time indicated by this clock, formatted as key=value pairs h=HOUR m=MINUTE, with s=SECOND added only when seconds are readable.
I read h=12 m=36
